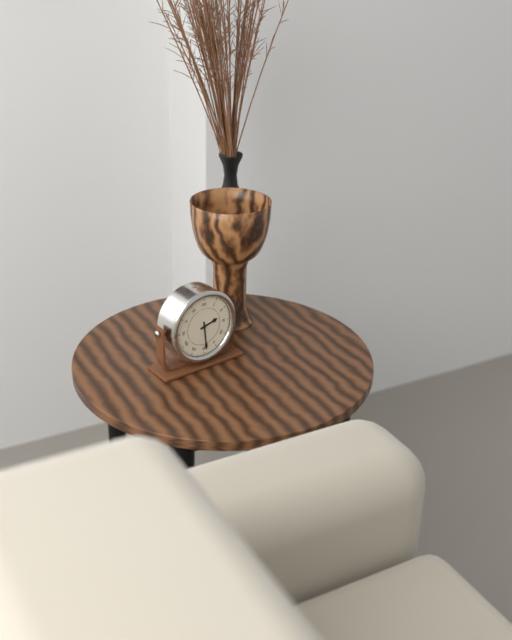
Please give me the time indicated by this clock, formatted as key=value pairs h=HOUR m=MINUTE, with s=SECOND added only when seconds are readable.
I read h=2 m=29
